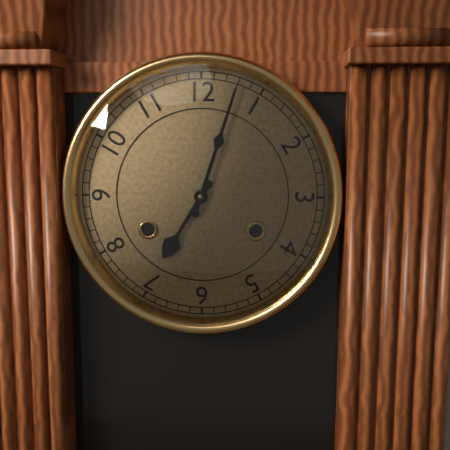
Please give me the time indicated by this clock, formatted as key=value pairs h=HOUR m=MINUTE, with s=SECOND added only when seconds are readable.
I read h=7 m=3
